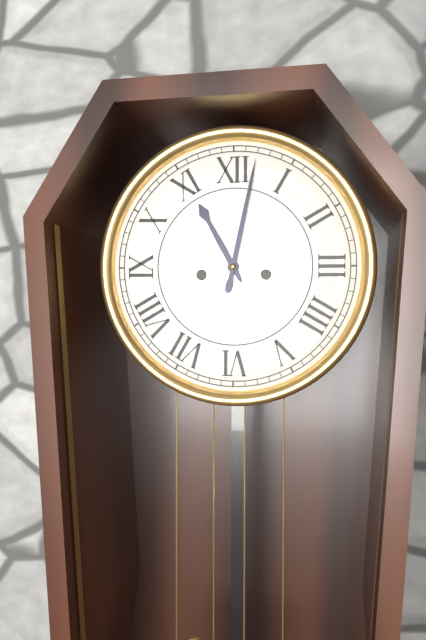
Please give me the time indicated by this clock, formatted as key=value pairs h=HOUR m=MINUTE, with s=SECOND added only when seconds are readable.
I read h=11 m=2
